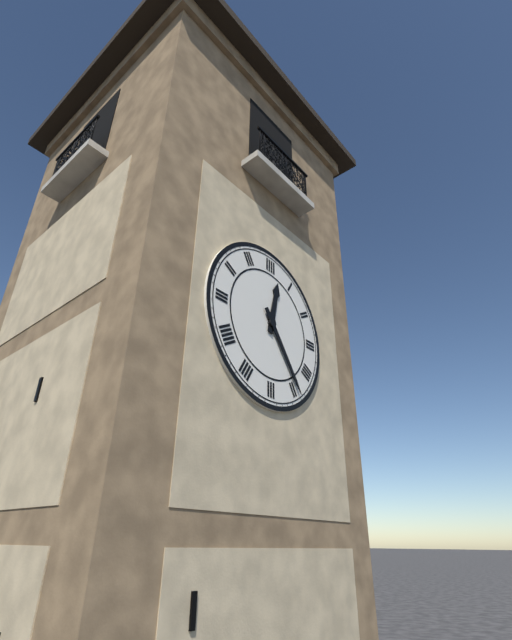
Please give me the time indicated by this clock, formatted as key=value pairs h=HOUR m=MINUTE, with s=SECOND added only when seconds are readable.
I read h=12 m=24
